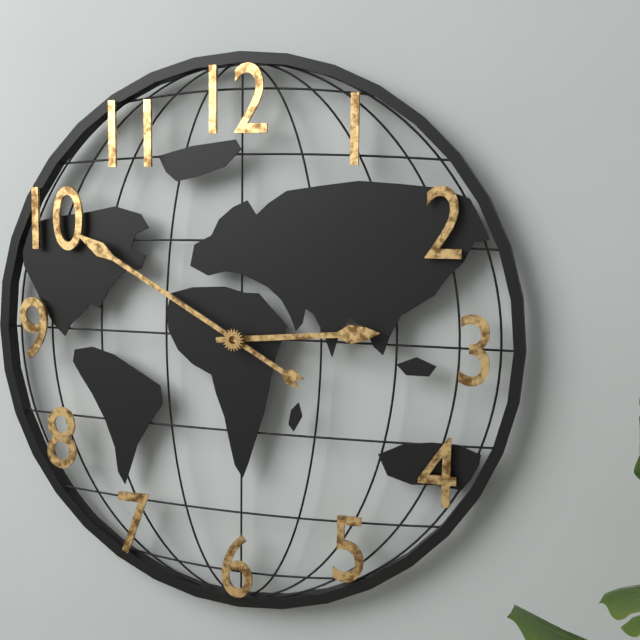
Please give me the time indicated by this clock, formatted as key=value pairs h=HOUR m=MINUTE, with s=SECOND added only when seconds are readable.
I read h=2 m=50
